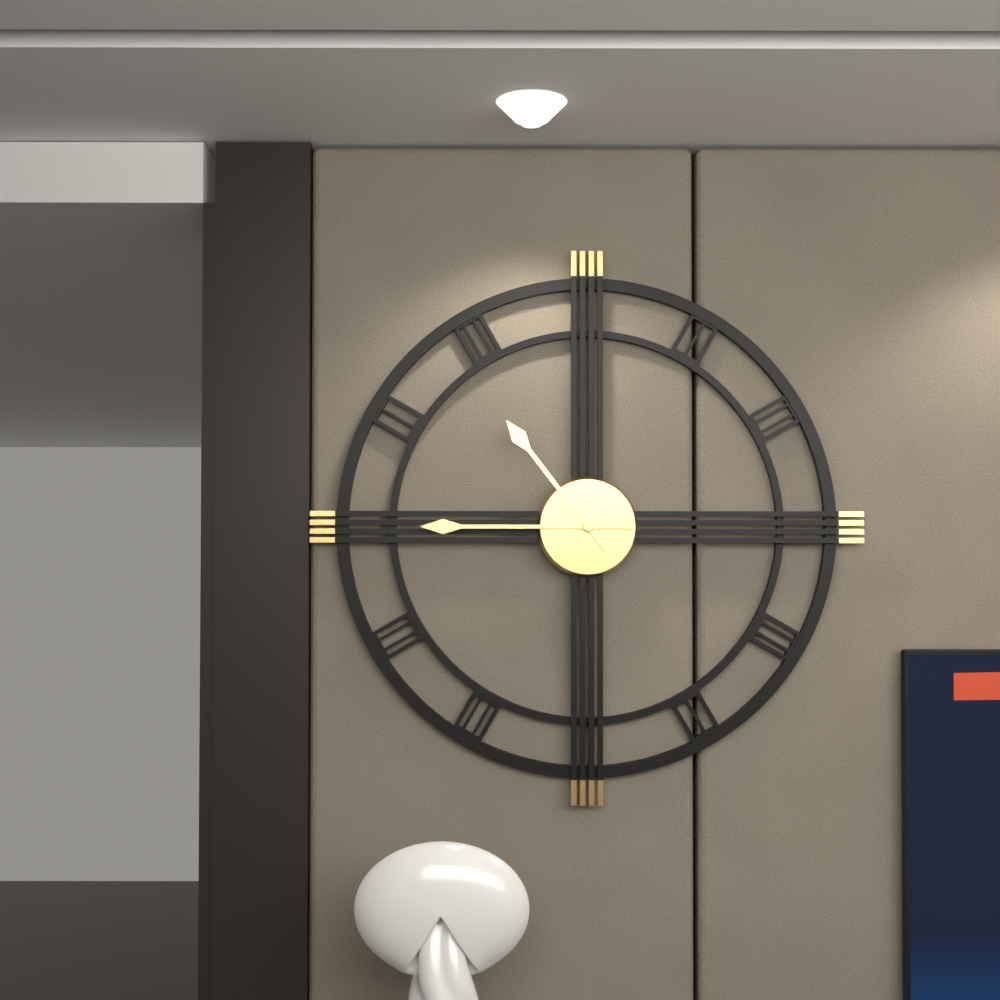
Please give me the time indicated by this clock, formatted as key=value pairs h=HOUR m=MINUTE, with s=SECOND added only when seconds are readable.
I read h=10 m=45
